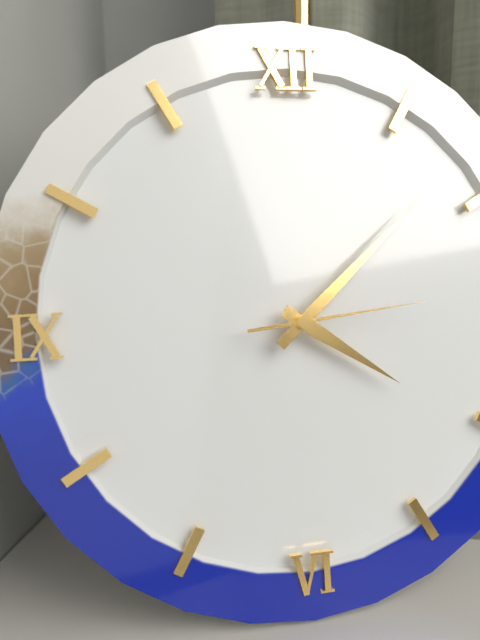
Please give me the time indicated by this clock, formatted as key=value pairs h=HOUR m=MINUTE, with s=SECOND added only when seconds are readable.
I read h=4 m=8 s=14
